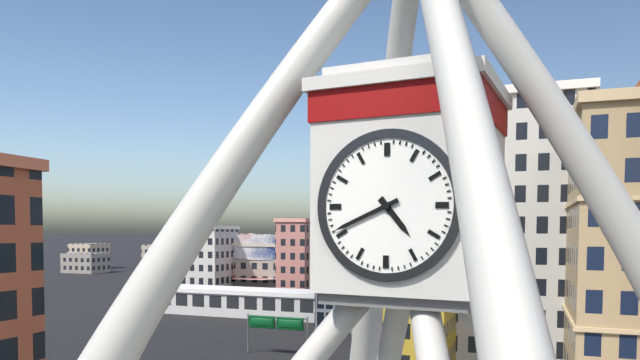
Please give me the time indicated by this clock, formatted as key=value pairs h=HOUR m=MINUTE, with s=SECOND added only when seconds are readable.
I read h=4 m=41
